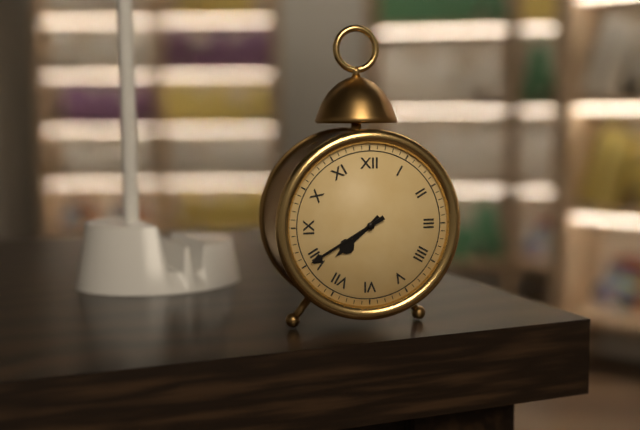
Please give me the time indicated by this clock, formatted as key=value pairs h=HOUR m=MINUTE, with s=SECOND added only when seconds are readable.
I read h=7 m=40
